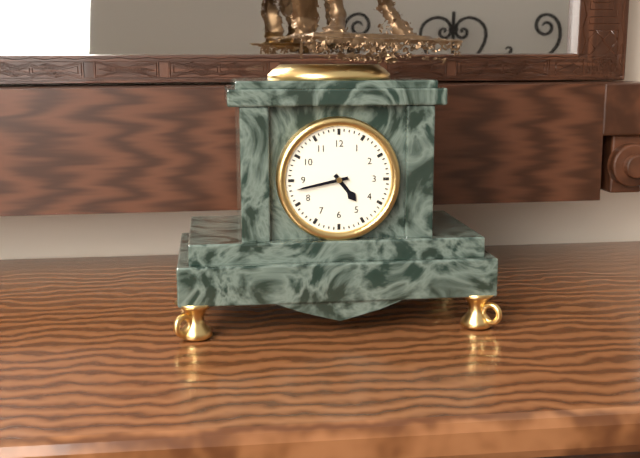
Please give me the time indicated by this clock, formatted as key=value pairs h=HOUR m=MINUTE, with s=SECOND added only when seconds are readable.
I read h=4 m=43
